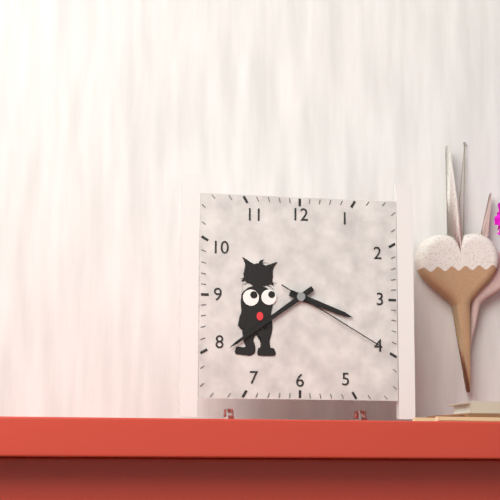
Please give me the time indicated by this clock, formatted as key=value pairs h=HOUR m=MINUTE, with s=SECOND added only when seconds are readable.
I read h=3 m=39 s=20
